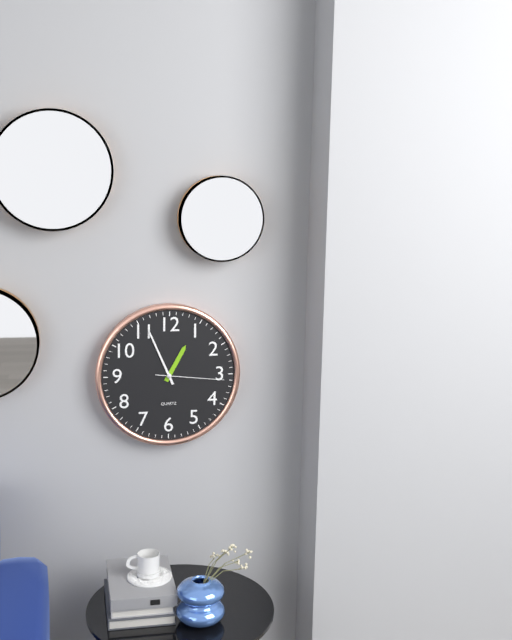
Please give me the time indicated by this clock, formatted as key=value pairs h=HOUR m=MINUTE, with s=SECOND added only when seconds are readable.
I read h=12 m=56 s=16
